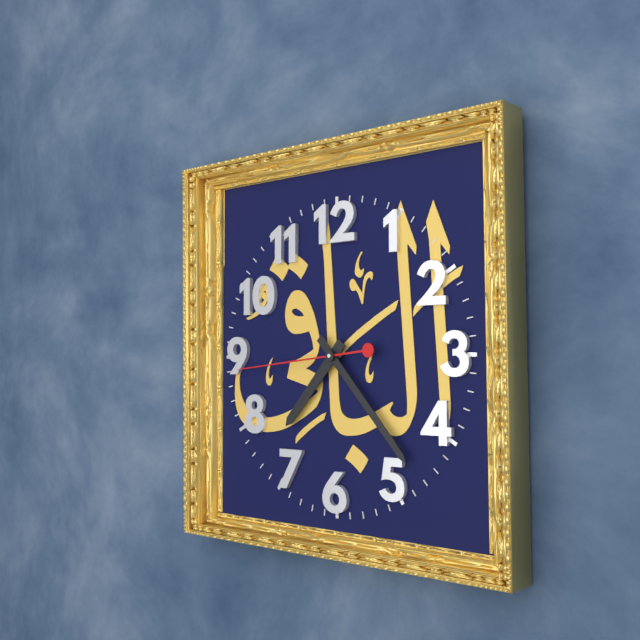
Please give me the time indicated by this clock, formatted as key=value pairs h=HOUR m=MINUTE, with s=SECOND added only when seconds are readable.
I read h=7 m=23 s=44
